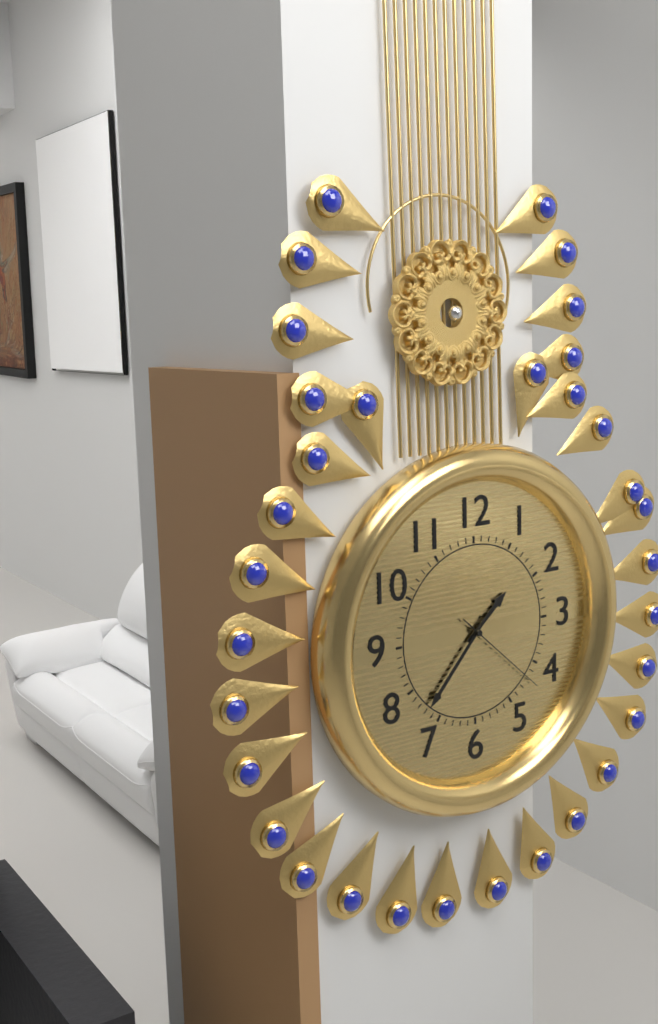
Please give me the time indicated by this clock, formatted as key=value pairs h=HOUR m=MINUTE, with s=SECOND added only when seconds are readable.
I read h=1 m=37 s=22
